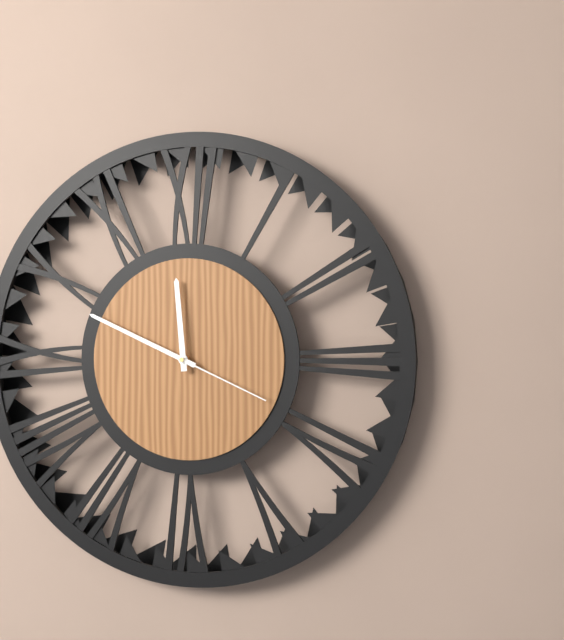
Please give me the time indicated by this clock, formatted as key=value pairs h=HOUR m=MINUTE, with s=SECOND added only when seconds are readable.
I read h=11 m=49 s=19
